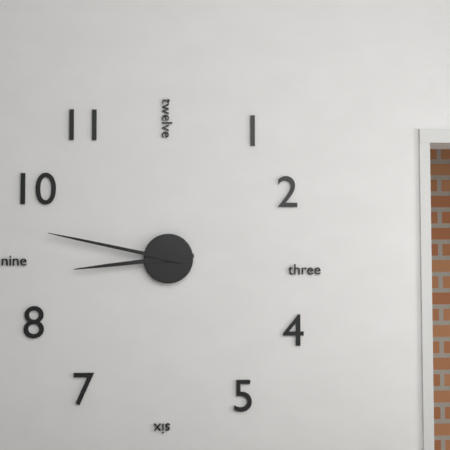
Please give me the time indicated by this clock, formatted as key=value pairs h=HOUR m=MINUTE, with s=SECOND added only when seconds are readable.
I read h=8 m=47
